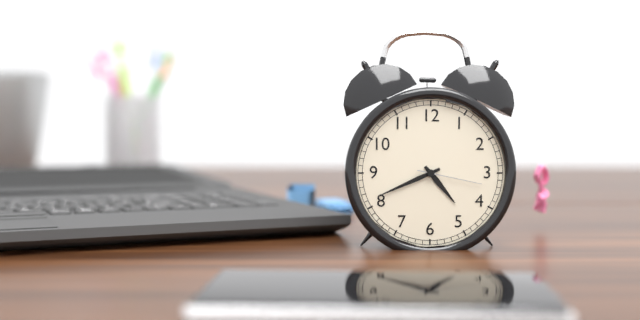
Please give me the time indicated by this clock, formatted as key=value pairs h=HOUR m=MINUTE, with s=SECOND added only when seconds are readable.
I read h=4 m=41 s=17
